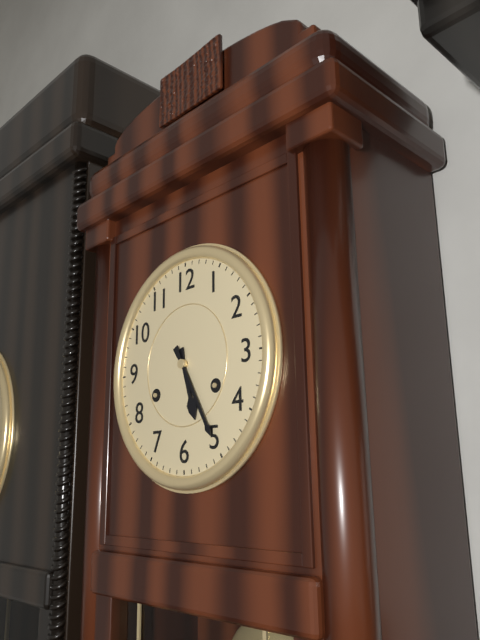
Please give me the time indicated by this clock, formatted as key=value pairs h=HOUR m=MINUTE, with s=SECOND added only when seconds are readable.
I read h=5 m=25
